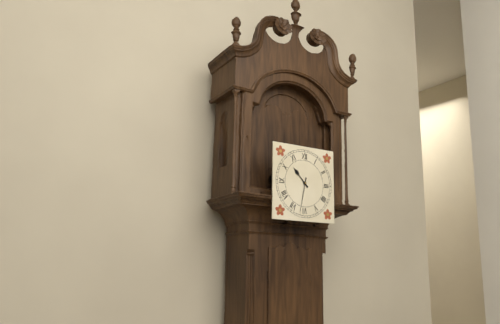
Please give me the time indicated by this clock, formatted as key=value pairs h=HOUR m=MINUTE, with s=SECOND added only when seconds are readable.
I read h=10 m=32
